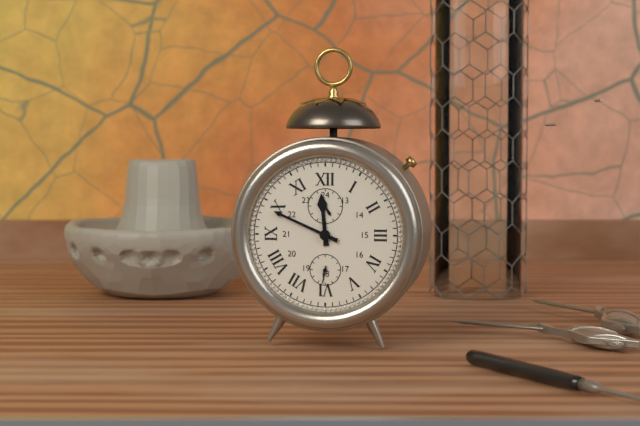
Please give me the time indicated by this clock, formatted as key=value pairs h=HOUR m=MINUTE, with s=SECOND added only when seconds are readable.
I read h=11 m=49
